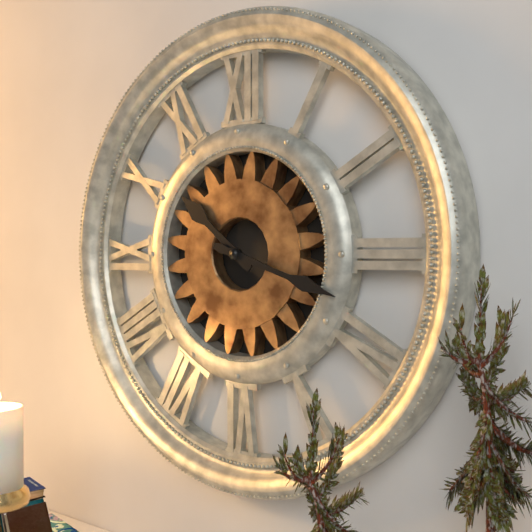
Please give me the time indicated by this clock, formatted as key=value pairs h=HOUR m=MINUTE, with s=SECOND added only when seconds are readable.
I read h=10 m=18
